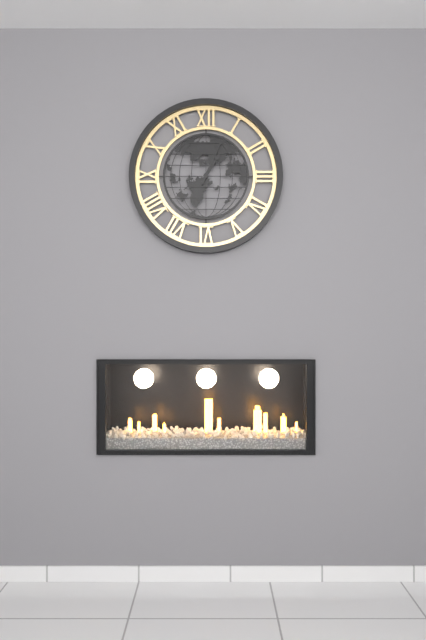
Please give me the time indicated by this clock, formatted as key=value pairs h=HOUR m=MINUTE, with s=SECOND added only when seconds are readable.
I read h=1 m=4
